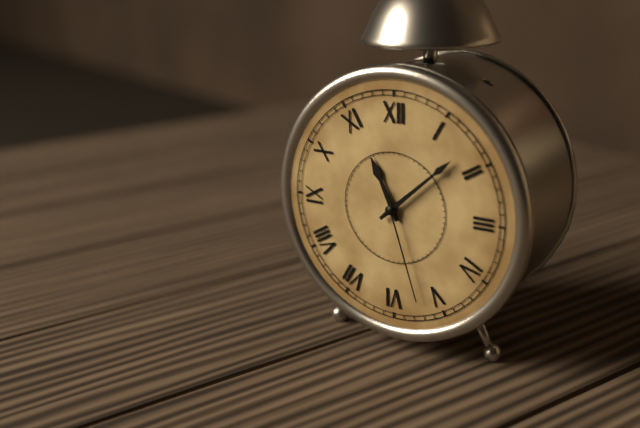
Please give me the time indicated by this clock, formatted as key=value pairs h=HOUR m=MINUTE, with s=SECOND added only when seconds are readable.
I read h=11 m=8 s=27
